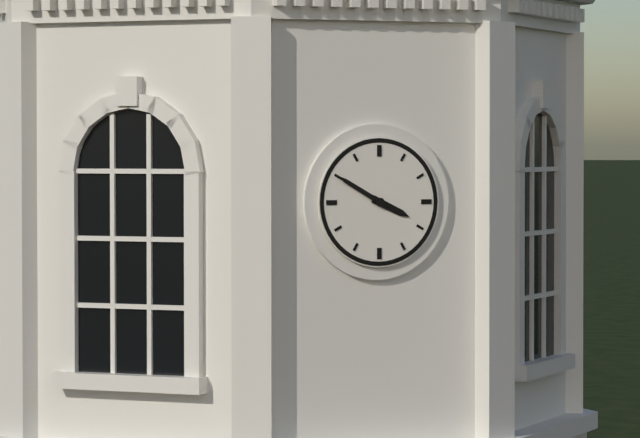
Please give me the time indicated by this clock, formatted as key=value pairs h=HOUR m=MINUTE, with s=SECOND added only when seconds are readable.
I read h=3 m=50
